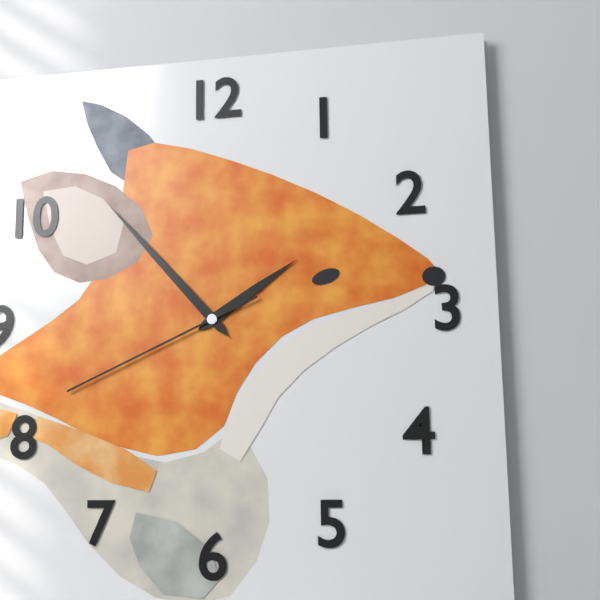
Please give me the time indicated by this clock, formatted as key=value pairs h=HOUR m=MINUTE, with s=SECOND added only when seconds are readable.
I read h=1 m=53 s=41
